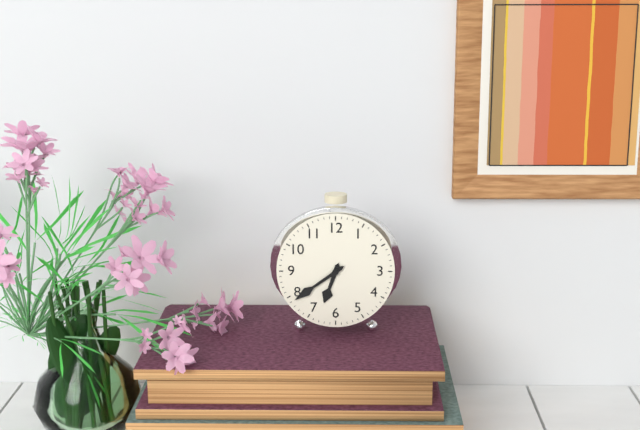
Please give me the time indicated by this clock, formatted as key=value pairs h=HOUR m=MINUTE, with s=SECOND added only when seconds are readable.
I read h=6 m=39
